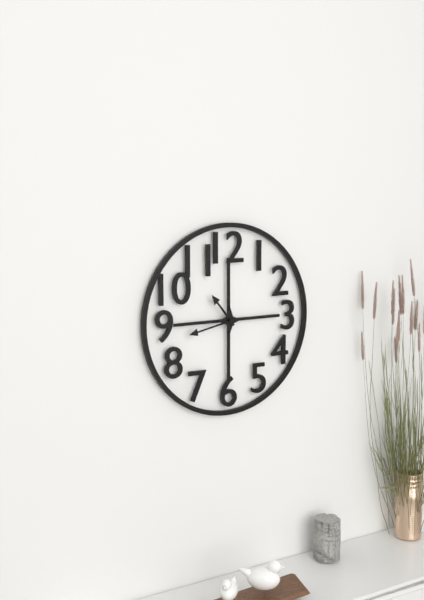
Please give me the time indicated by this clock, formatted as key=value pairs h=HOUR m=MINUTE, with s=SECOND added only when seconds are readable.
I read h=10 m=43
